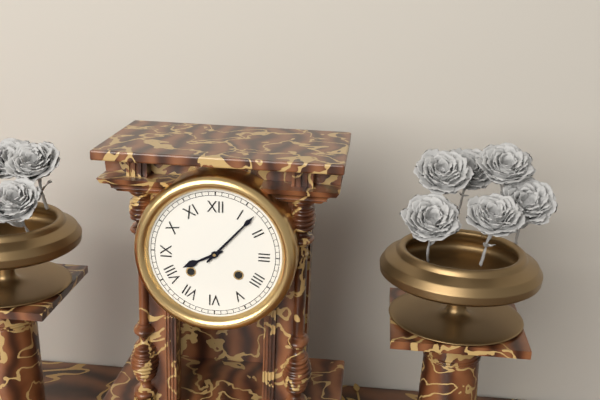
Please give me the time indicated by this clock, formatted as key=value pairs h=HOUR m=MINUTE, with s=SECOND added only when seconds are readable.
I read h=8 m=7
